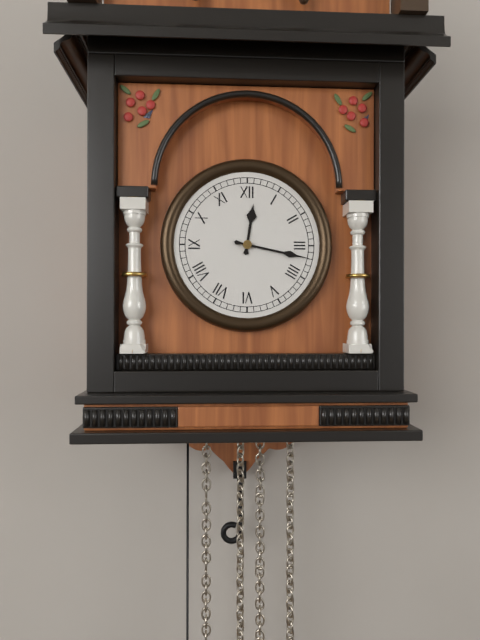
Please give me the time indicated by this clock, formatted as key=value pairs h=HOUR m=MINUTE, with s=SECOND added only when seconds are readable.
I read h=12 m=17
